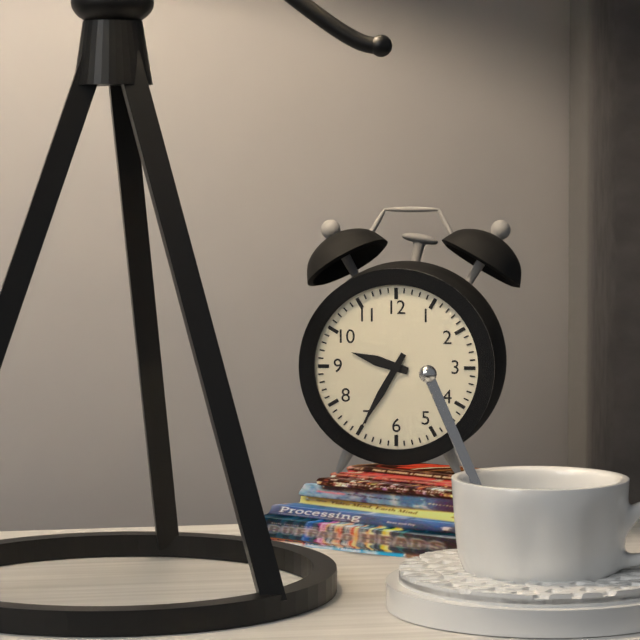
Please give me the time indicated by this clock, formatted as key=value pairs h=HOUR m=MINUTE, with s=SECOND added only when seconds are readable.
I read h=9 m=35
